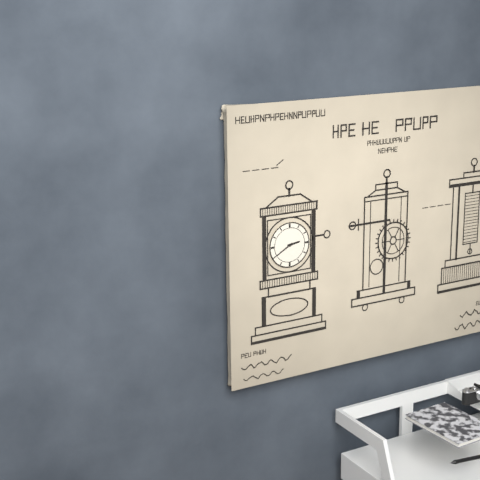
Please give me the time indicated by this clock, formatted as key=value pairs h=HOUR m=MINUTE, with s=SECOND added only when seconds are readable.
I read h=2 m=40
